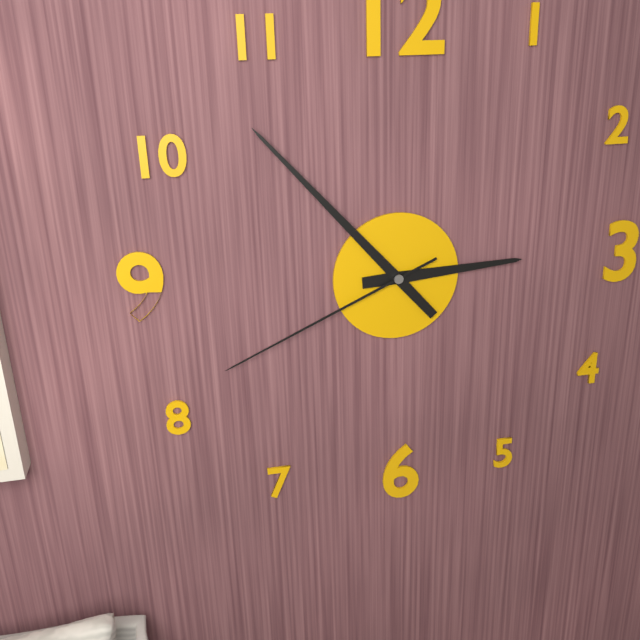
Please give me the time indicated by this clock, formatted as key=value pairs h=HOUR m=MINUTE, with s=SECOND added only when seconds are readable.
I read h=2 m=53 s=41
